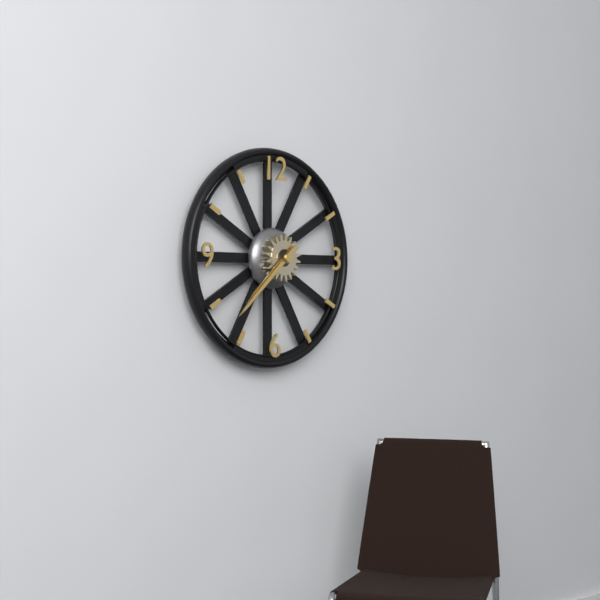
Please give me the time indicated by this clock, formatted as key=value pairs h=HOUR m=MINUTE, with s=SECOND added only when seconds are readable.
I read h=7 m=38
